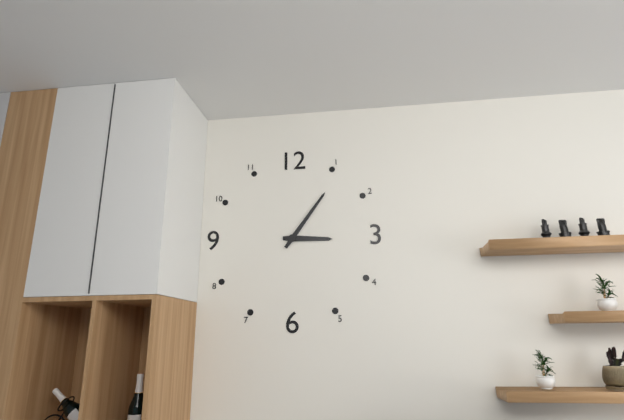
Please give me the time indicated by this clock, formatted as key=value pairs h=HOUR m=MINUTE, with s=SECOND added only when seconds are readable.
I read h=3 m=6
